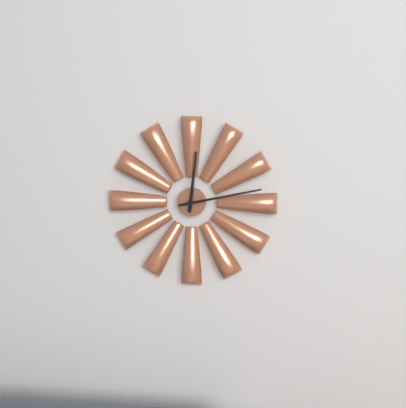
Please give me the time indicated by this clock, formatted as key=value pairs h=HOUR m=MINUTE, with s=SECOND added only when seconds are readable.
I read h=12 m=13
